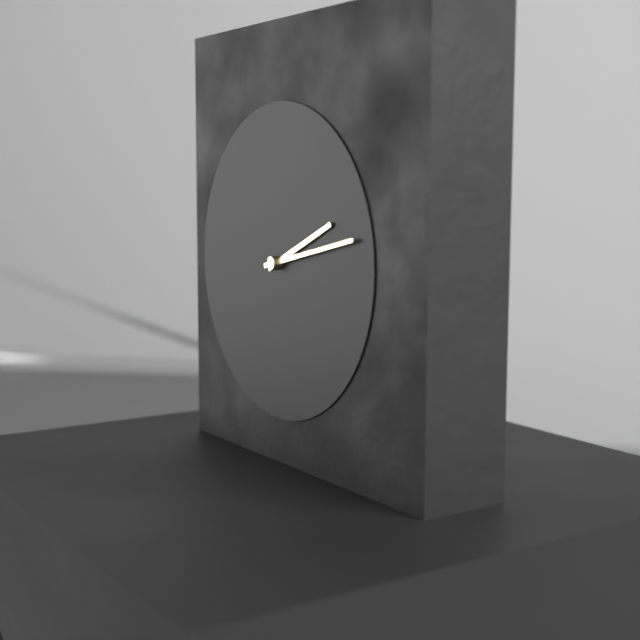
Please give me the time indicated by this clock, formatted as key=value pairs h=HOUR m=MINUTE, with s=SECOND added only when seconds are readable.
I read h=2 m=13
